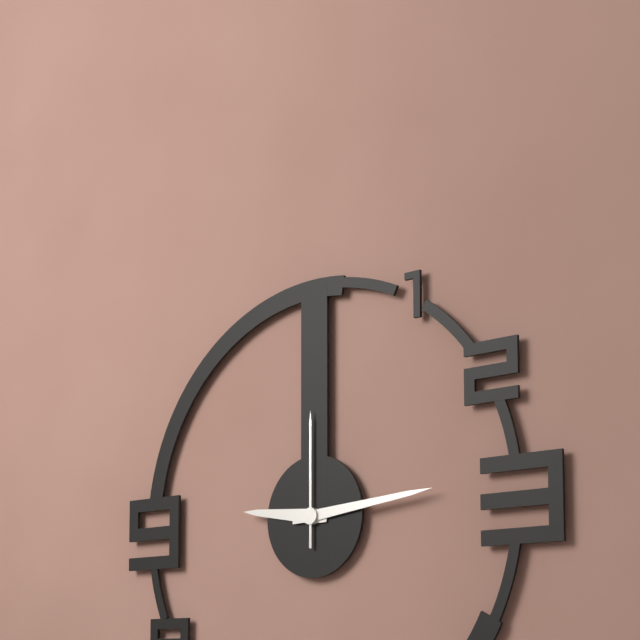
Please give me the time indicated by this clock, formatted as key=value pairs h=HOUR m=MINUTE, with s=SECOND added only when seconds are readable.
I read h=9 m=14 s=0
